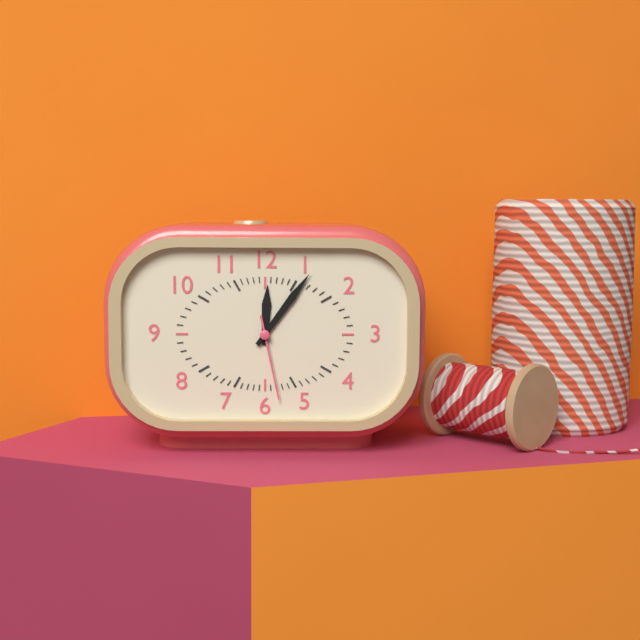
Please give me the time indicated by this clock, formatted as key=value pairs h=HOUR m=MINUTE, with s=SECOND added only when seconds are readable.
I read h=12 m=6 s=28
